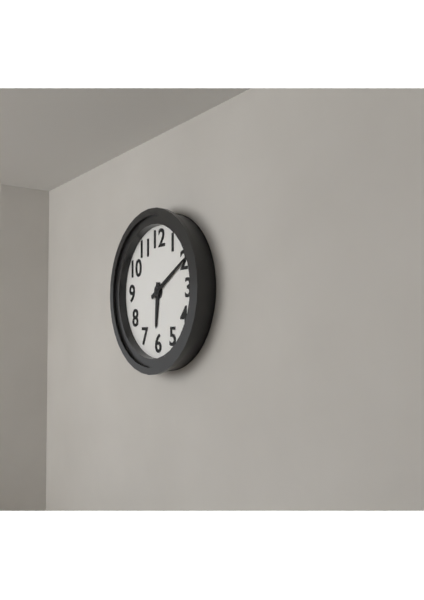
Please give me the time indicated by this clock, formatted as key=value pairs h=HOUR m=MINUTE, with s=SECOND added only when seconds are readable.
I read h=6 m=10
